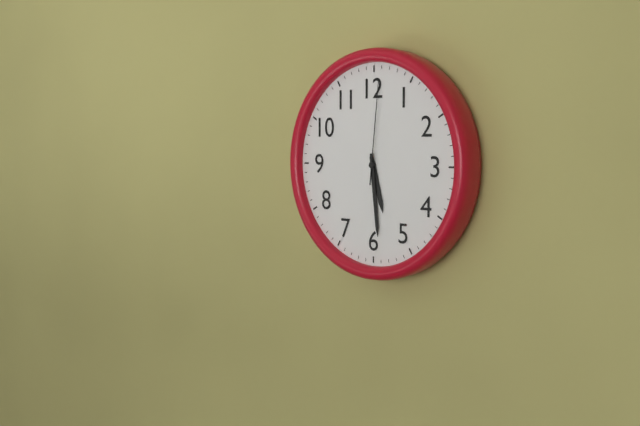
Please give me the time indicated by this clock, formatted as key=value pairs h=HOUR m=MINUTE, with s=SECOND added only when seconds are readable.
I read h=5 m=29 s=1
